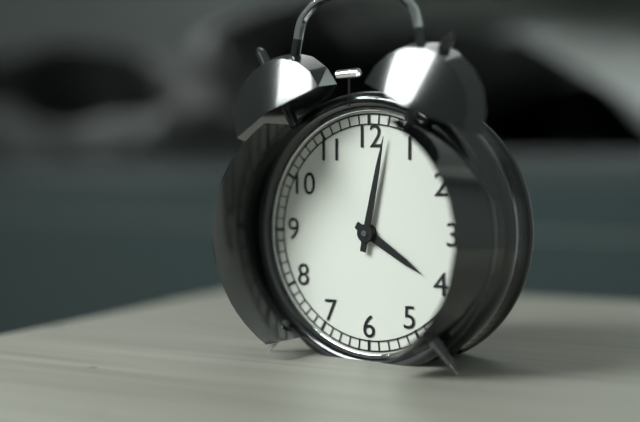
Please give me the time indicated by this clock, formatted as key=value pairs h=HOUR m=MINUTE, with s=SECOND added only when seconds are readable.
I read h=4 m=2
